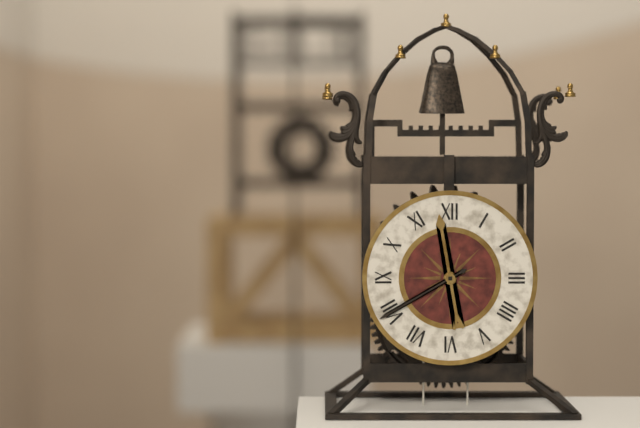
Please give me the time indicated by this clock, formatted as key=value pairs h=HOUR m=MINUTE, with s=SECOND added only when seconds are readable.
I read h=11 m=40
